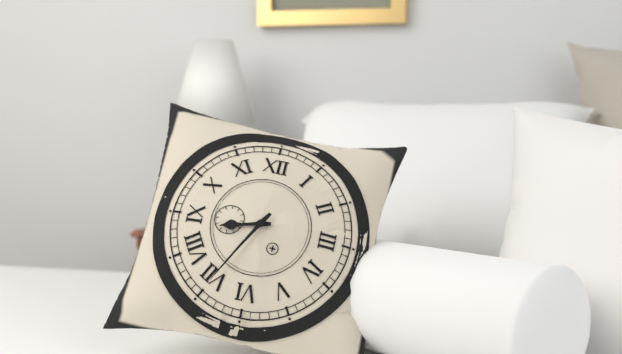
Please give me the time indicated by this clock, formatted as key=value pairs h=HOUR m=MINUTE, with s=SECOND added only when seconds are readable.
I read h=8 m=35
